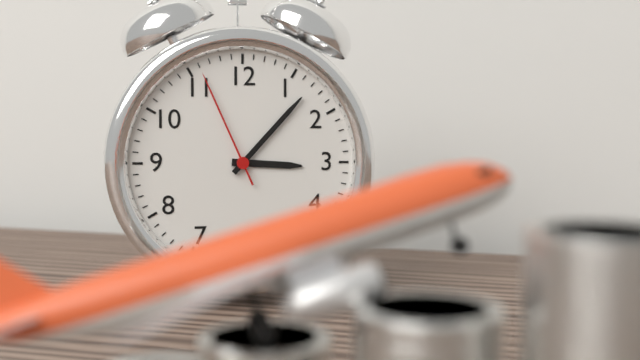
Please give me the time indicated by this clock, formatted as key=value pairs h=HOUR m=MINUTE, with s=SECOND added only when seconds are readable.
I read h=3 m=7 s=56
